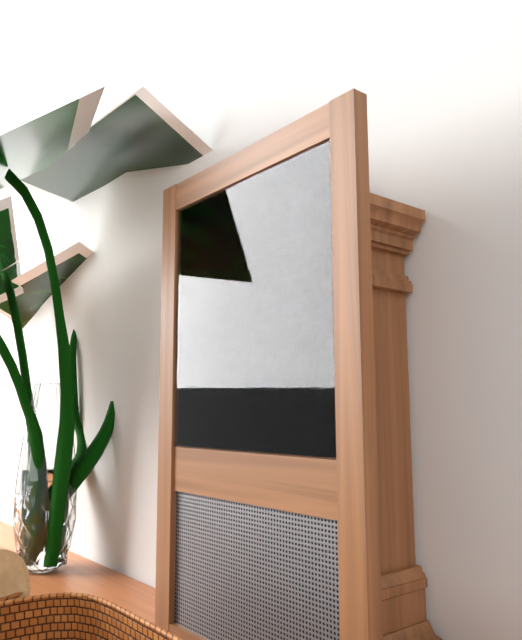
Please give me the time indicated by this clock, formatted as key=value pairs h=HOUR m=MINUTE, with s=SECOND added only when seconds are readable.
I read h=12 m=9
